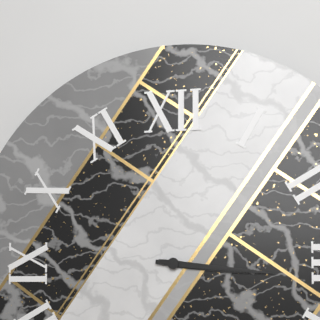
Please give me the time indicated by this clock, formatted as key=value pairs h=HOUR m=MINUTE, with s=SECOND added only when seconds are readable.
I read h=3 m=16
